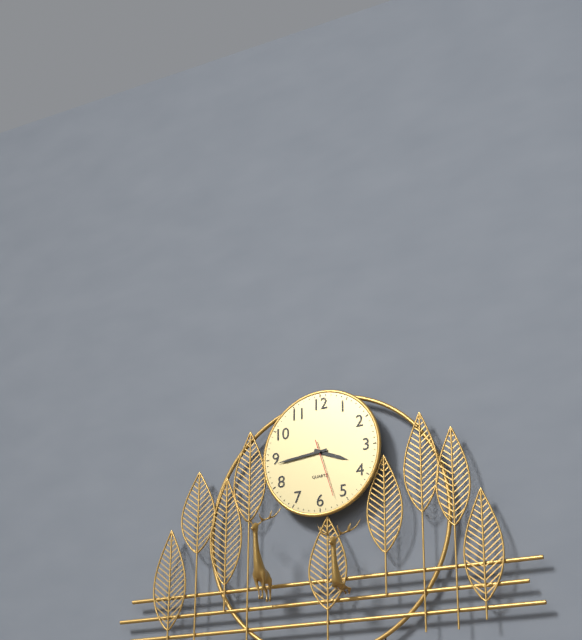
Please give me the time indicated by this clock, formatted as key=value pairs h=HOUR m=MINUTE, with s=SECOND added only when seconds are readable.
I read h=3 m=44 s=27
